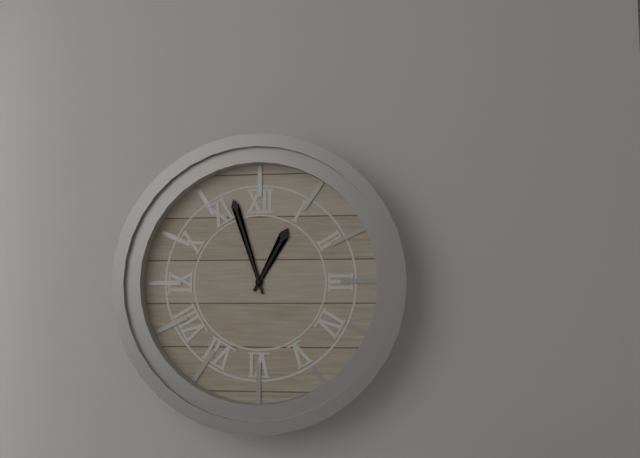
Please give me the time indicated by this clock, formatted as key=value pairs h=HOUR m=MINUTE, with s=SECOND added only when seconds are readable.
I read h=12 m=57
